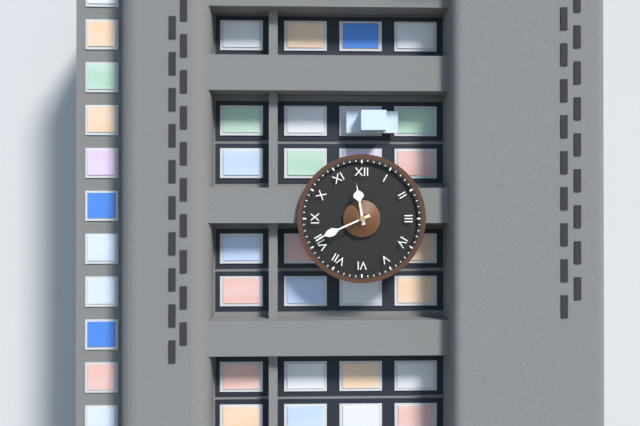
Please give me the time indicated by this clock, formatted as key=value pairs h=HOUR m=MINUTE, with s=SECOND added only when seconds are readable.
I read h=11 m=41
